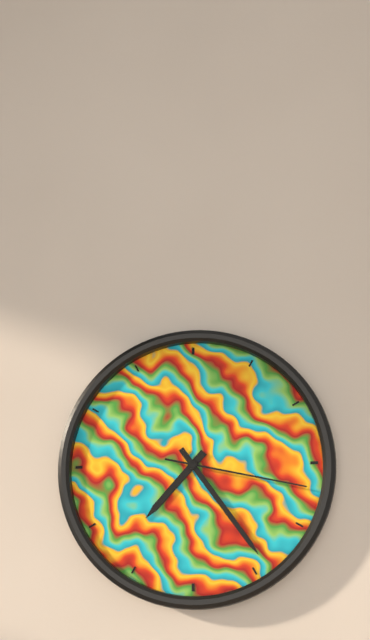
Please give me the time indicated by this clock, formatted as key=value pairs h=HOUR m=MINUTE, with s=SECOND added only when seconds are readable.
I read h=7 m=24 s=17
